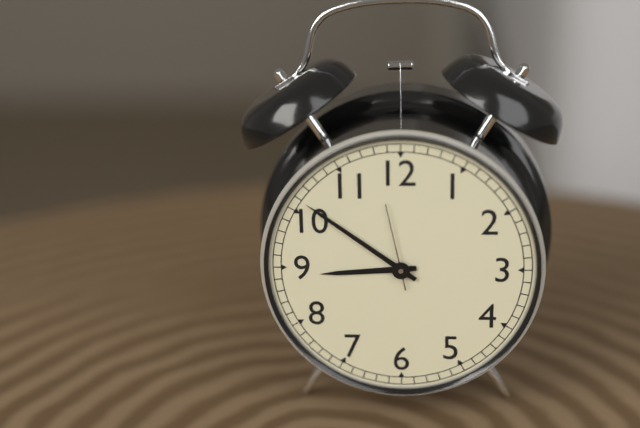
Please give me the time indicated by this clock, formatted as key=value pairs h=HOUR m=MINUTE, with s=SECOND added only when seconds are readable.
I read h=8 m=51 s=58
